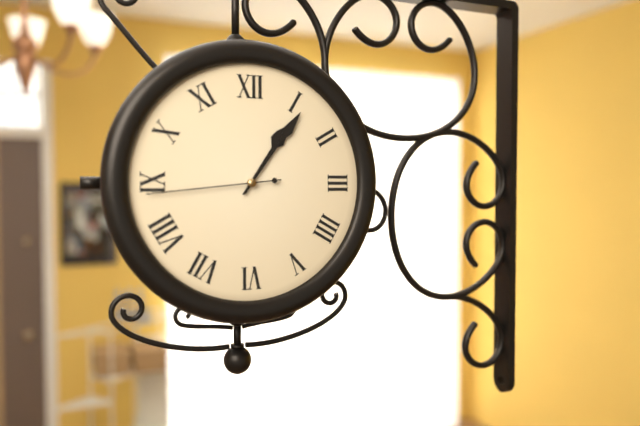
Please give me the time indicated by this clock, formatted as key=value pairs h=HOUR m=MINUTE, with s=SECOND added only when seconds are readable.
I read h=1 m=6 s=44
